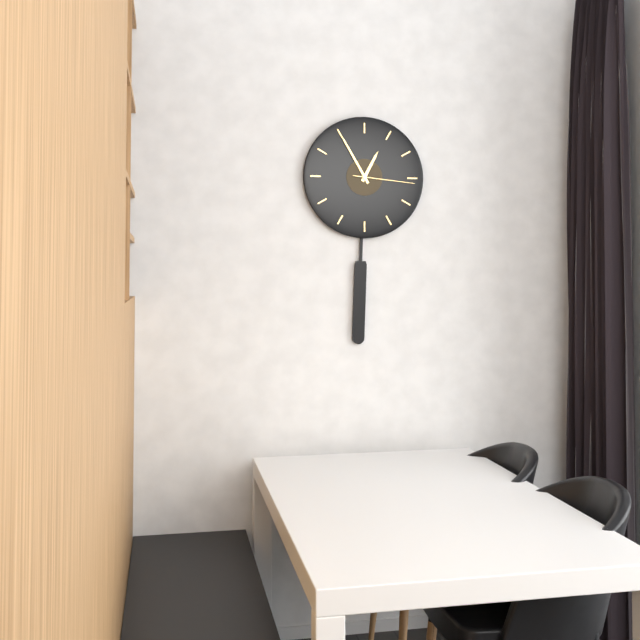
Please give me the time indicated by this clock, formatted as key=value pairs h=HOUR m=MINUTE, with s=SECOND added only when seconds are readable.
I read h=12 m=55 s=16
